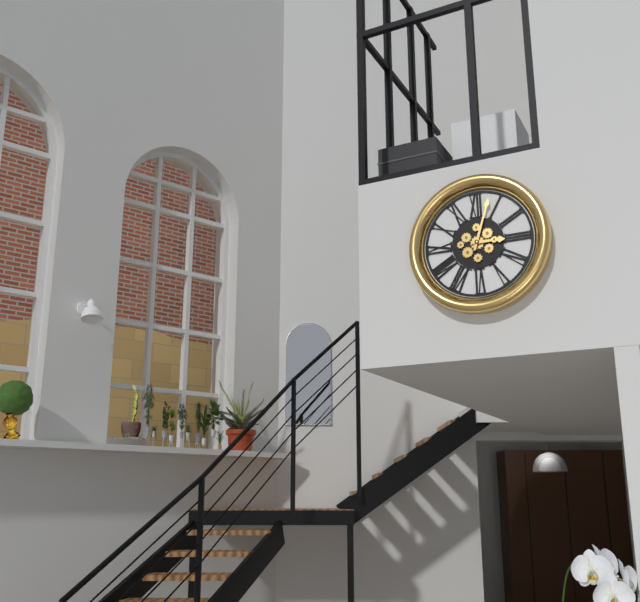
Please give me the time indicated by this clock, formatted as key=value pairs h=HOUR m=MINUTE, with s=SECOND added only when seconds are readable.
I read h=3 m=3
